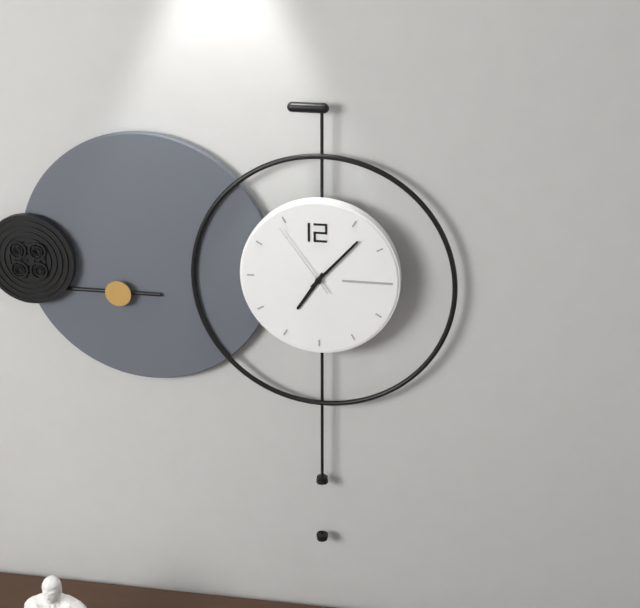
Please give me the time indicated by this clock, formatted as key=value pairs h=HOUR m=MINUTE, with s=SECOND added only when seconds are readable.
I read h=7 m=7 s=54
